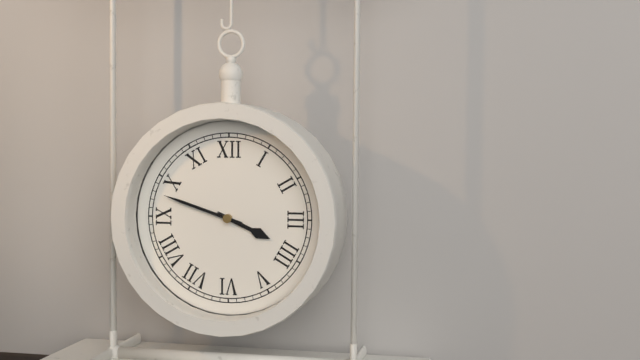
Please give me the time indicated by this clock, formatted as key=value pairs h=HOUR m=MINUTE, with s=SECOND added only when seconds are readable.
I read h=3 m=48
